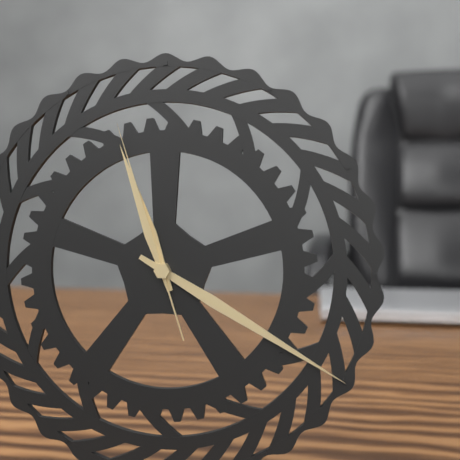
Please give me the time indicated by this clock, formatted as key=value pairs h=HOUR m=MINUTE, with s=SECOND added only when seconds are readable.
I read h=11 m=20 s=57
